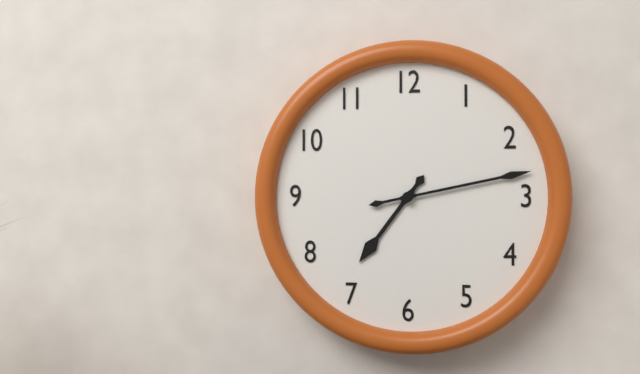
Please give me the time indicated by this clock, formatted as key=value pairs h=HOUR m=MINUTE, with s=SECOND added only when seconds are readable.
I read h=7 m=13
